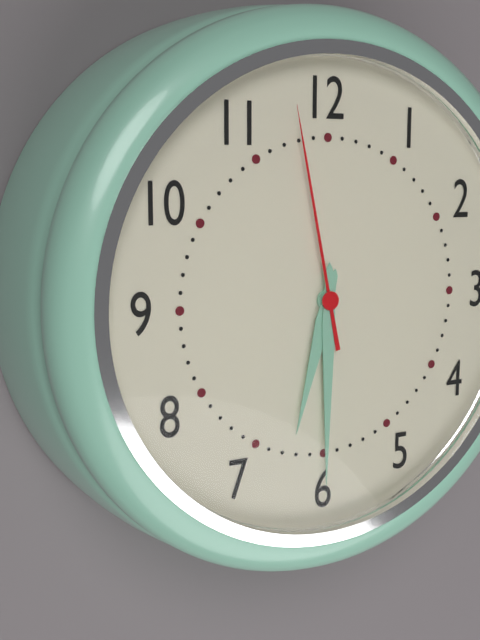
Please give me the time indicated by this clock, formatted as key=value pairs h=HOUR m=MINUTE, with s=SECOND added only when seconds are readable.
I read h=6 m=30 s=58
